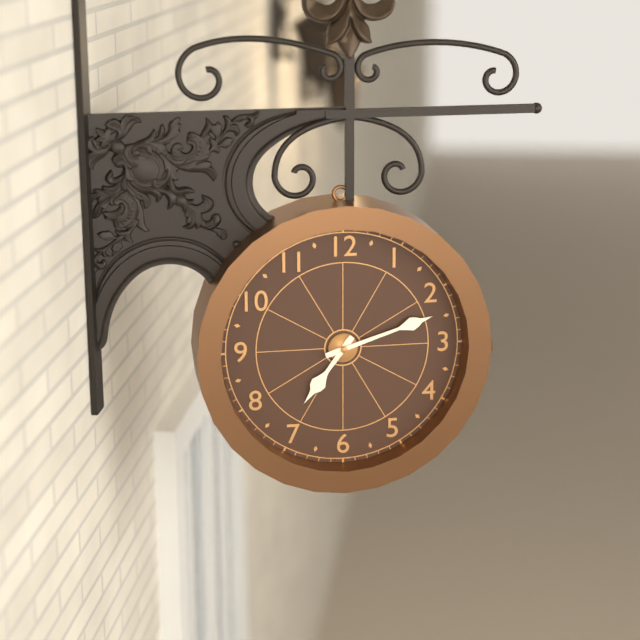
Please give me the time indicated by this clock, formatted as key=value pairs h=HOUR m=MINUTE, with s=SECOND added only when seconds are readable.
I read h=7 m=12
